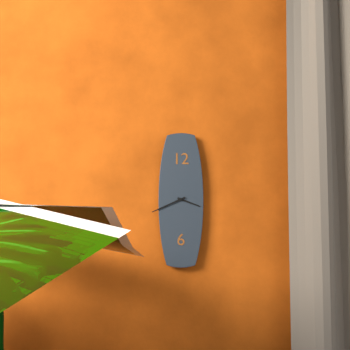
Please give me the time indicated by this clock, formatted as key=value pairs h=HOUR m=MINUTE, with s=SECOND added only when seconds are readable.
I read h=3 m=41
